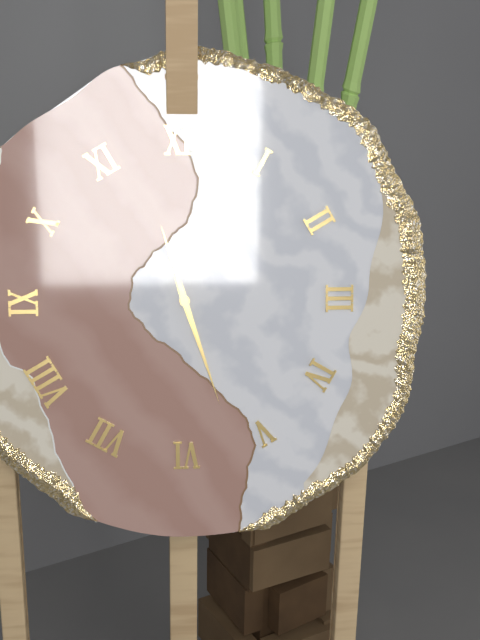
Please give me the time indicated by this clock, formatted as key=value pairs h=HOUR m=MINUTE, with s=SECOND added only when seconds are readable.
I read h=11 m=27
